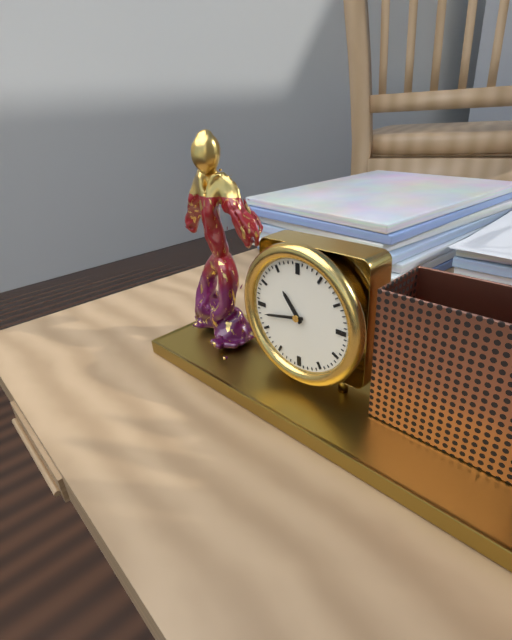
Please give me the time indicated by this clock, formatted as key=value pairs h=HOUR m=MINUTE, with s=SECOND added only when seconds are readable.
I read h=10 m=43
